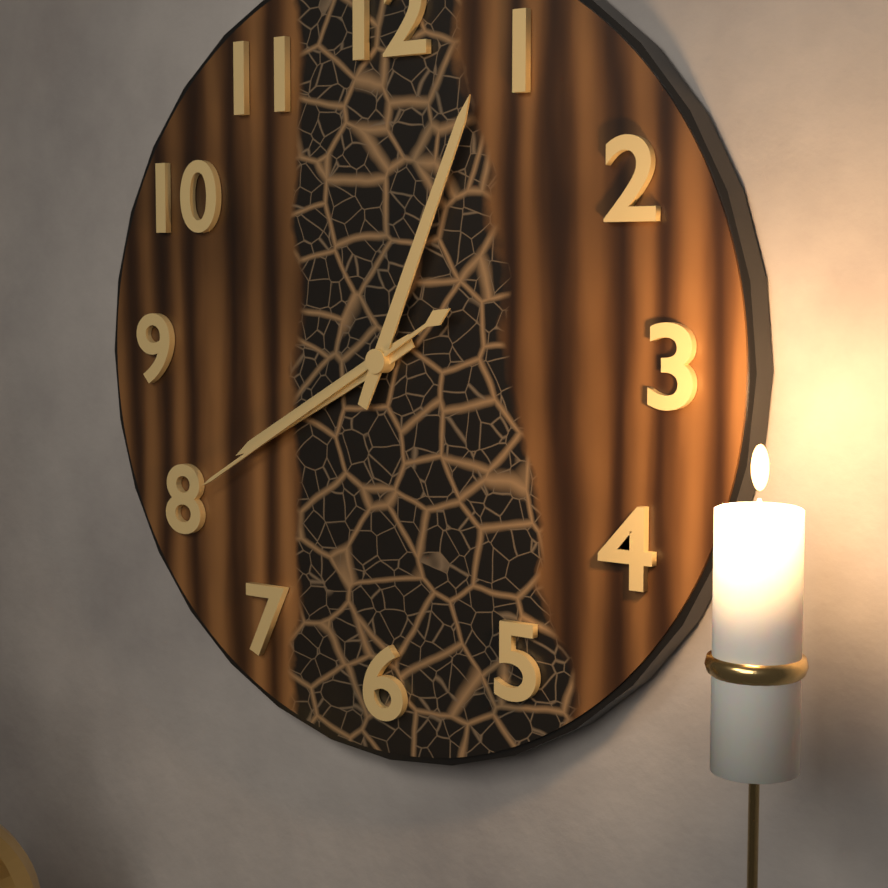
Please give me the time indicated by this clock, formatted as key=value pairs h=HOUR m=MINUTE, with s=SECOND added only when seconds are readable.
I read h=8 m=4 s=40
